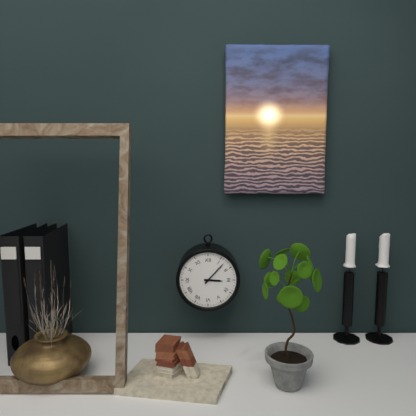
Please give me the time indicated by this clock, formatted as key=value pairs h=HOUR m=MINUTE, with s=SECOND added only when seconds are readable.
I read h=3 m=7
